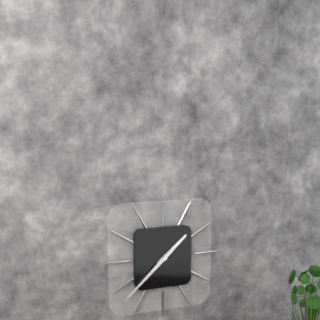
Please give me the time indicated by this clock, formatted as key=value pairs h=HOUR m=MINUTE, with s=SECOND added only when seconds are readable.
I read h=1 m=38
